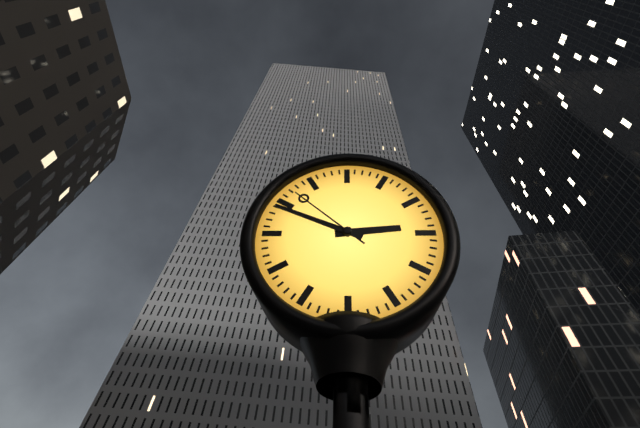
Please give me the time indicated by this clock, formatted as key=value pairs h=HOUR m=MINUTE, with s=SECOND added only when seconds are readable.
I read h=2 m=49 s=52
